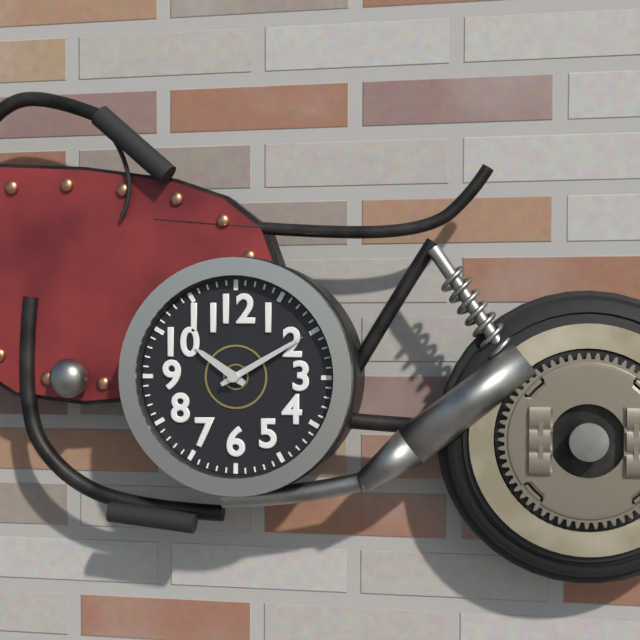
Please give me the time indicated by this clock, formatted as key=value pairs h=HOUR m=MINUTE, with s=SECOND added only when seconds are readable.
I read h=10 m=10
